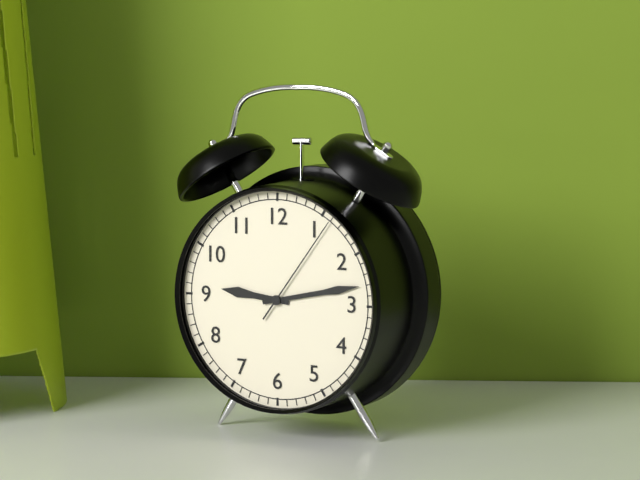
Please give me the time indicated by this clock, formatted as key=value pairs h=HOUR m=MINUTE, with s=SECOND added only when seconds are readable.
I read h=9 m=13 s=6
